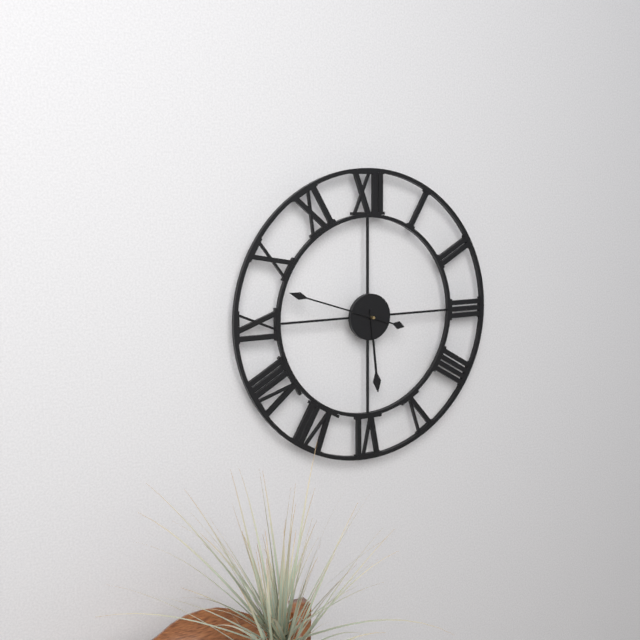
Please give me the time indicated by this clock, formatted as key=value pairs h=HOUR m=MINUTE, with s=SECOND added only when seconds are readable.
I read h=5 m=48
